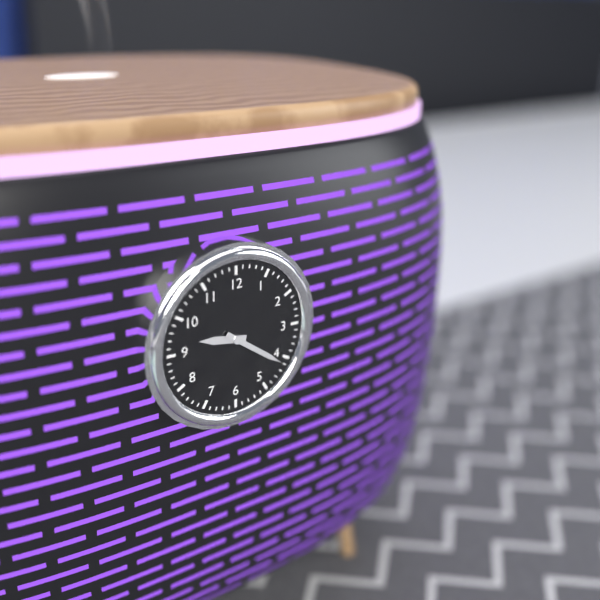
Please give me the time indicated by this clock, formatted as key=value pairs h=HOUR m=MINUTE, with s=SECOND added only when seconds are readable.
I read h=9 m=21
